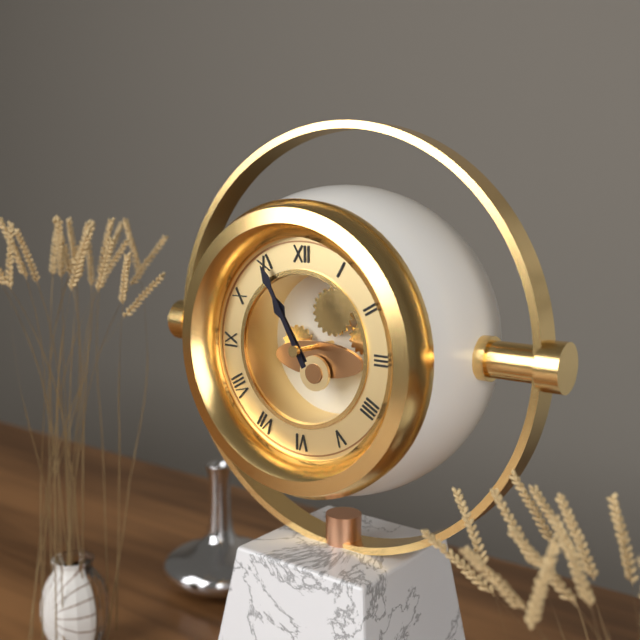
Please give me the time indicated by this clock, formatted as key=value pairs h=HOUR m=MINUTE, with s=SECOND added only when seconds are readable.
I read h=10 m=55
